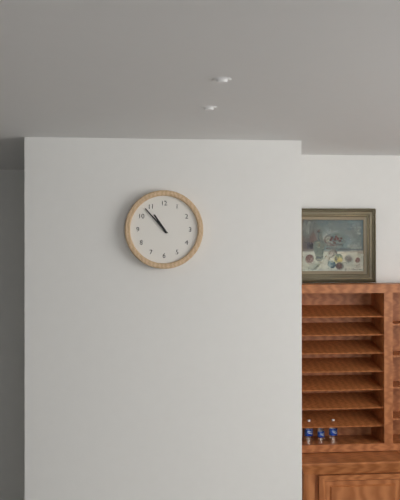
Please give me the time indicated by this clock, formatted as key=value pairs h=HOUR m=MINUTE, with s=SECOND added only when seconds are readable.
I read h=10 m=53
